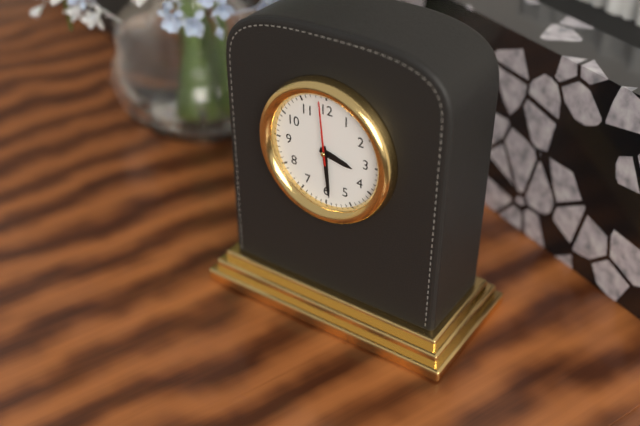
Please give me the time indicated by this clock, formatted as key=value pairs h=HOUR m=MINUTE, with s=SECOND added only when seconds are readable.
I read h=3 m=29 s=59
